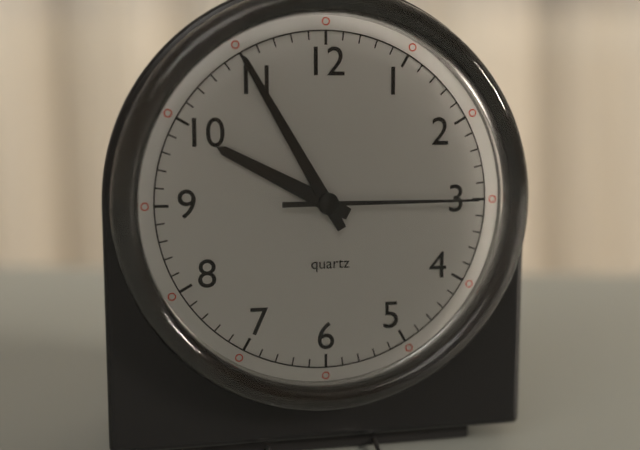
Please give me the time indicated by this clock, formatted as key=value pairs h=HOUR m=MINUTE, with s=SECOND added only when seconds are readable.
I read h=9 m=55 s=15
